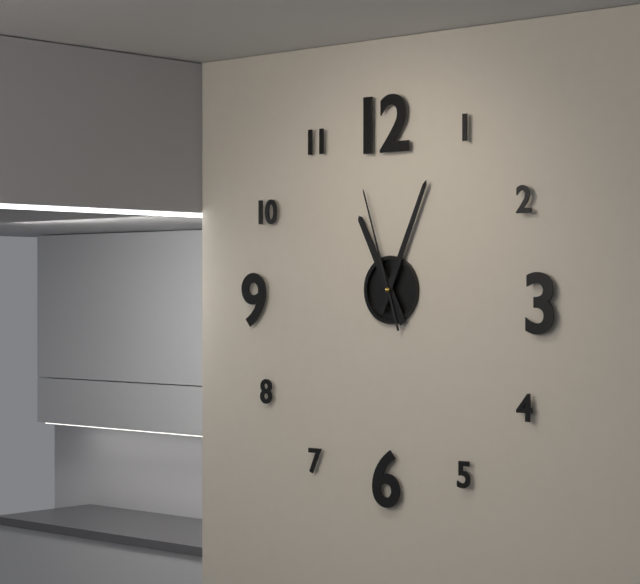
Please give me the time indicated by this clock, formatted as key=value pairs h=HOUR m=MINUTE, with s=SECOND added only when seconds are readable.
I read h=11 m=4 s=57
